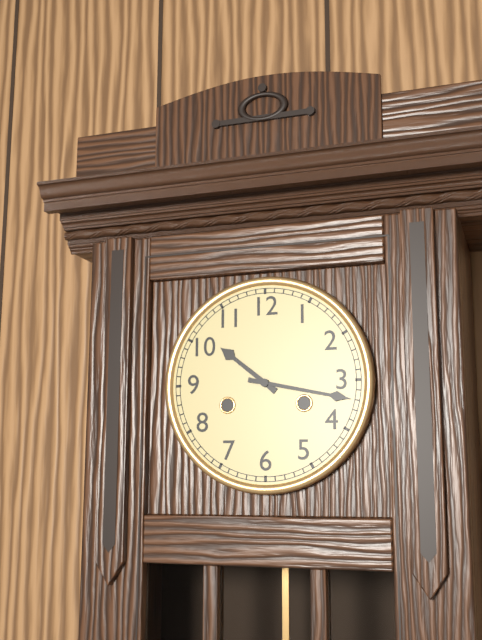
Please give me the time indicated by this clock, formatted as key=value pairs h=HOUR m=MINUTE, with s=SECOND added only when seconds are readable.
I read h=10 m=17
